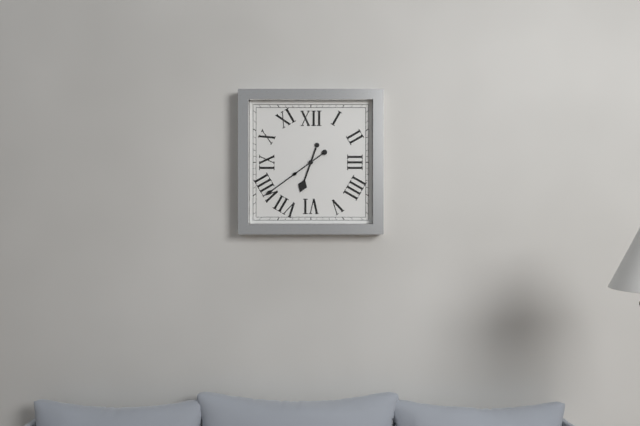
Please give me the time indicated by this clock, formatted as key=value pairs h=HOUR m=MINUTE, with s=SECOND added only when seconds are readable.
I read h=6 m=39
